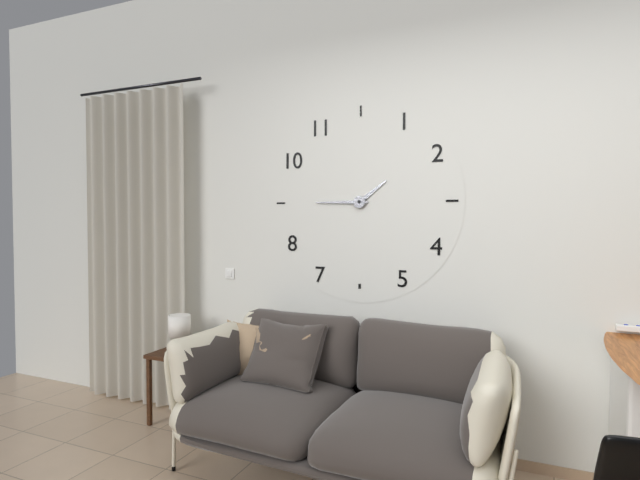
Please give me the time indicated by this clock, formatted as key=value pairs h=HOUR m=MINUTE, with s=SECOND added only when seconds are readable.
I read h=1 m=45
